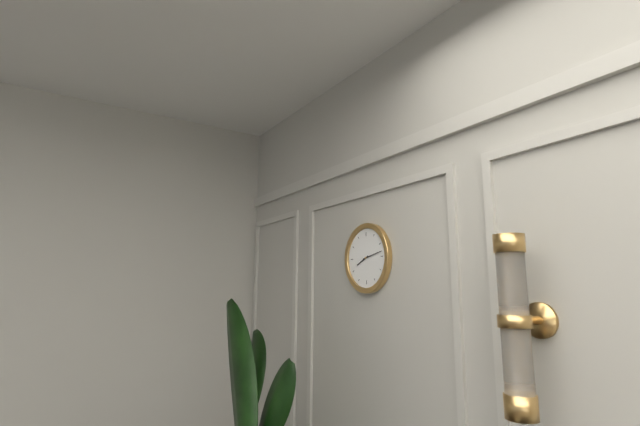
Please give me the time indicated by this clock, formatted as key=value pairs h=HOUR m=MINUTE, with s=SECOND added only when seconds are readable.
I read h=8 m=13
